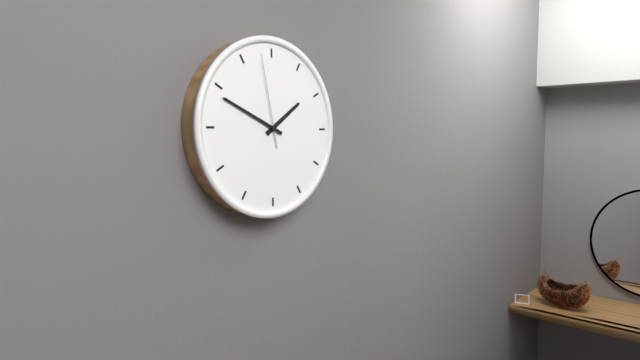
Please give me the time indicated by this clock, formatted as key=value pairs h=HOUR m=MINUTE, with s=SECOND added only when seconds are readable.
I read h=1 m=49 s=58
